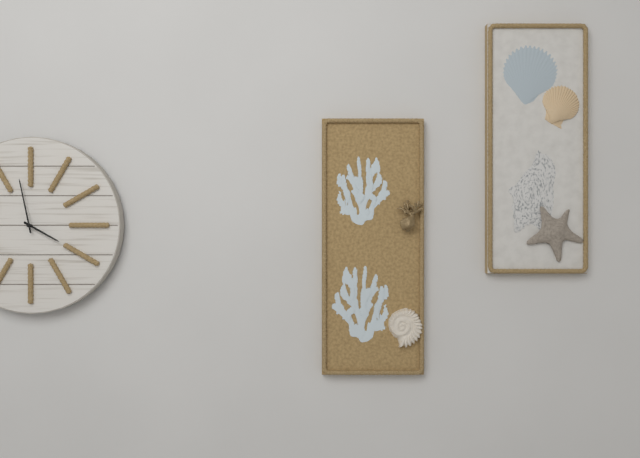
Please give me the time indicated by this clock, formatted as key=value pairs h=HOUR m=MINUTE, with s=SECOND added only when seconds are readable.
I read h=3 m=58
